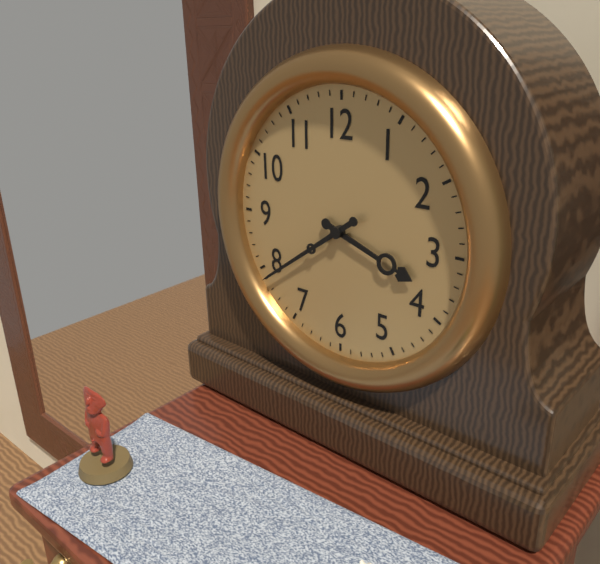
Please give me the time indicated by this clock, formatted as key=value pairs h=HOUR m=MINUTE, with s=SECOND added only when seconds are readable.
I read h=3 m=39
